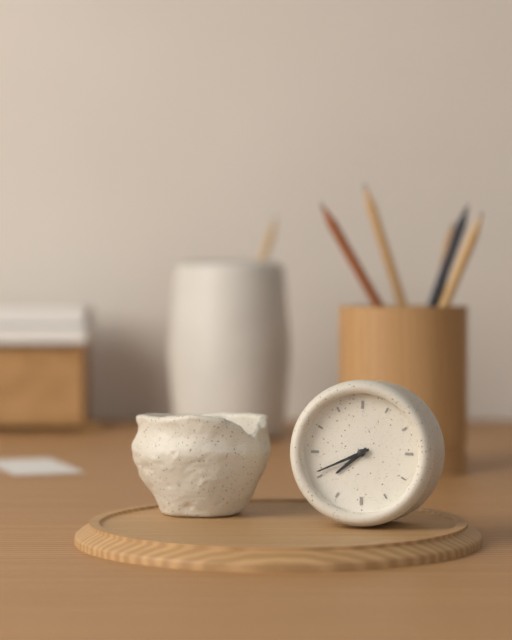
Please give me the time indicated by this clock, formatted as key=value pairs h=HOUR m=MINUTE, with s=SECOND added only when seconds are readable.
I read h=7 m=41
